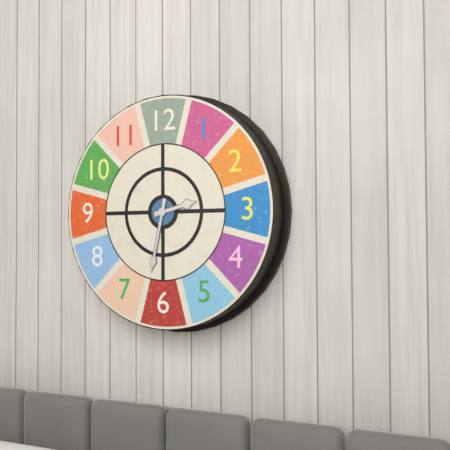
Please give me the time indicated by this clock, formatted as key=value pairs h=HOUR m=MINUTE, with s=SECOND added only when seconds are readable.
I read h=2 m=32
